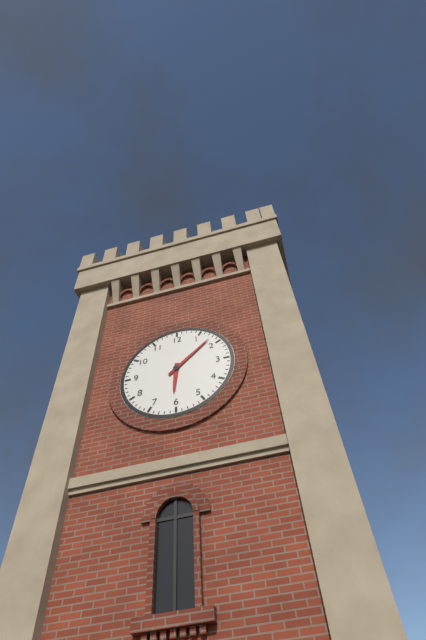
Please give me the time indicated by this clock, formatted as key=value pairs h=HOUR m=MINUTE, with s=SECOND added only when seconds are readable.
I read h=6 m=8
